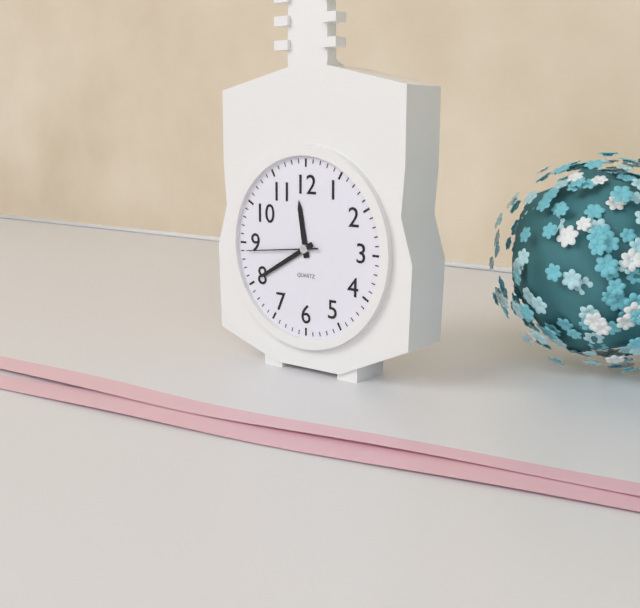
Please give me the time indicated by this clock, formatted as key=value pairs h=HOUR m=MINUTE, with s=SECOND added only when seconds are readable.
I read h=11 m=40 s=44
